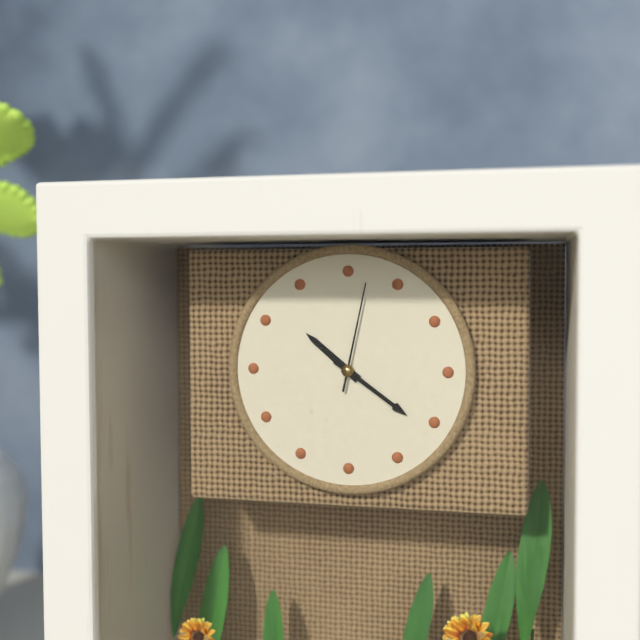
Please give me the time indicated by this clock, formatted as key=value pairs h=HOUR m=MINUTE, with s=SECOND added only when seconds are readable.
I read h=10 m=21 s=2
